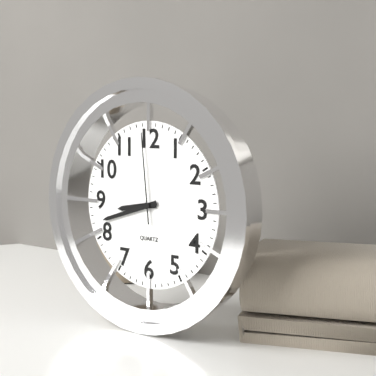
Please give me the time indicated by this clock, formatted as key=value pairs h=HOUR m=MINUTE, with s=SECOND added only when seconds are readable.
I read h=8 m=42 s=59
